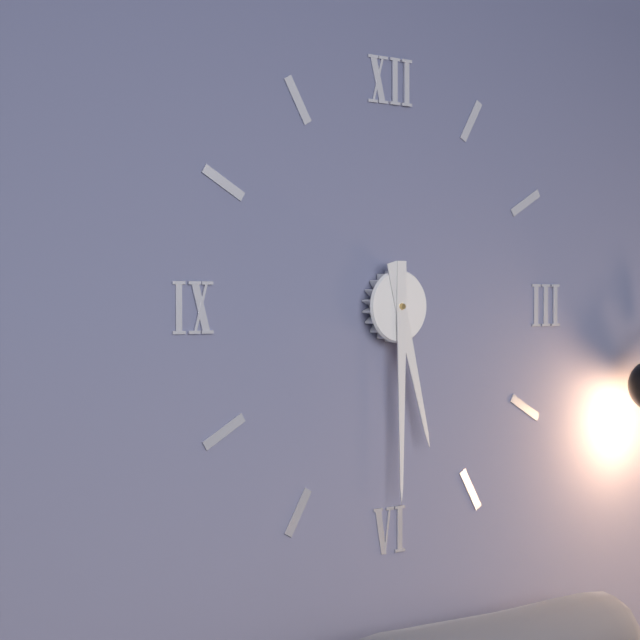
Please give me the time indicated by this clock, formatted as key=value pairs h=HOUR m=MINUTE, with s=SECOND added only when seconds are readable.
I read h=5 m=30
